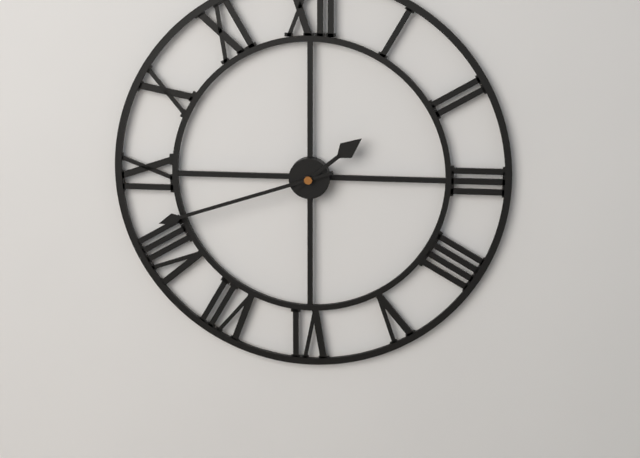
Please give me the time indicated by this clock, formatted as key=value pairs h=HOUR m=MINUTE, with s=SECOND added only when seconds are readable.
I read h=1 m=42
